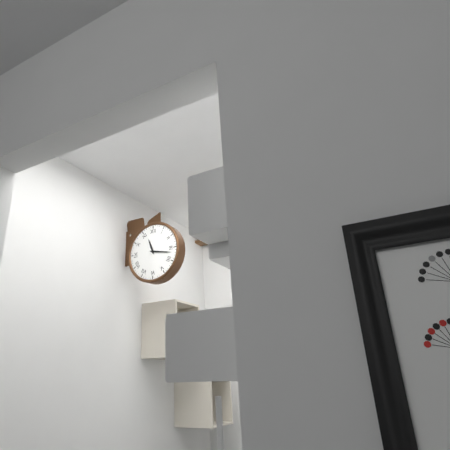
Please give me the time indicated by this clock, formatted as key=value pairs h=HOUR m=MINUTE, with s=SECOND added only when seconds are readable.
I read h=11 m=17
